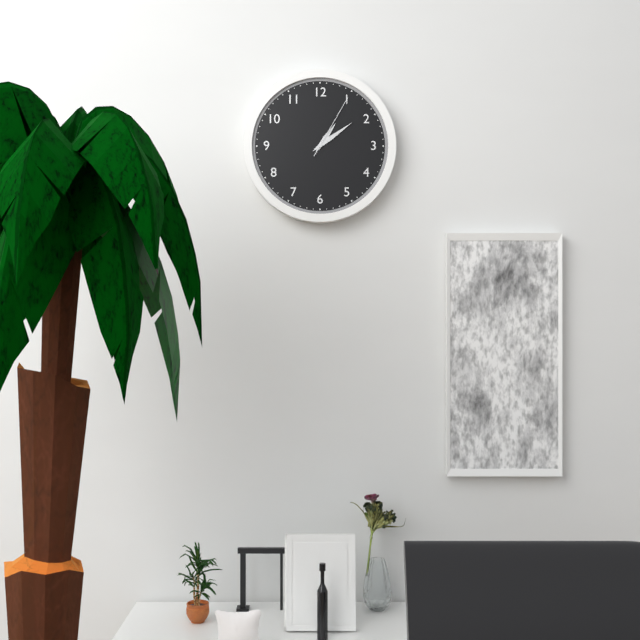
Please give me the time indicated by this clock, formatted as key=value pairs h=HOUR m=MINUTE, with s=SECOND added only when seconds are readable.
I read h=1 m=9 s=5
